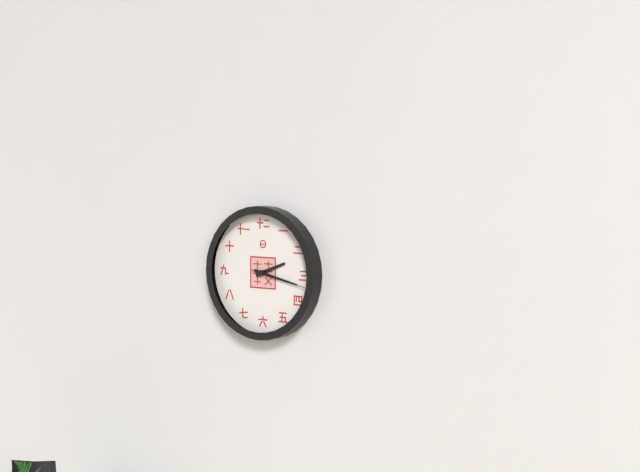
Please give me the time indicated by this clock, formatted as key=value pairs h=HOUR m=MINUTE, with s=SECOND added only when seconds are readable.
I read h=2 m=17 s=17
